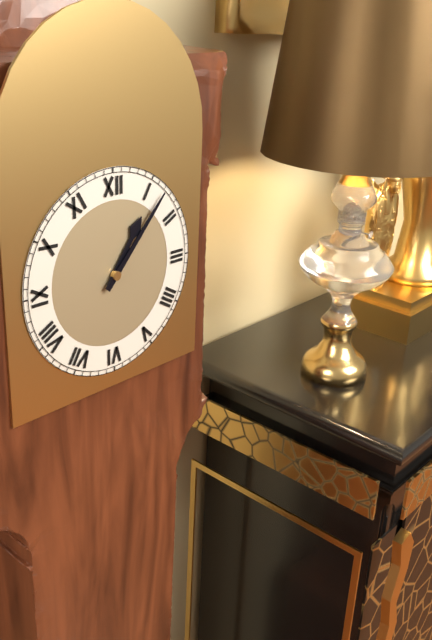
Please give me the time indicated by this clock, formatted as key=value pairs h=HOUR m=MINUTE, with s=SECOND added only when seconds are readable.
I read h=1 m=7
